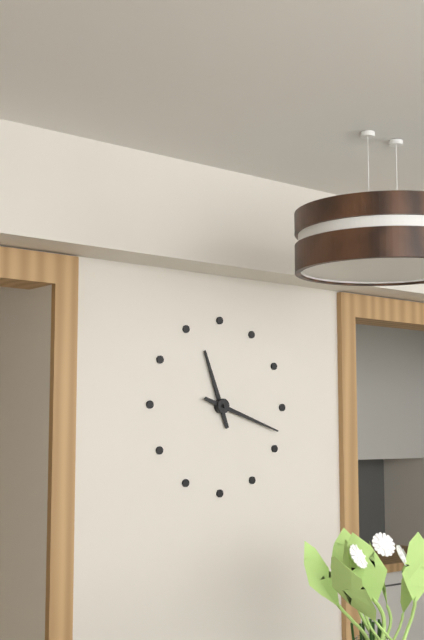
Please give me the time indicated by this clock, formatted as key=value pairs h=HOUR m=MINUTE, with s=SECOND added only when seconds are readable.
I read h=11 m=18
